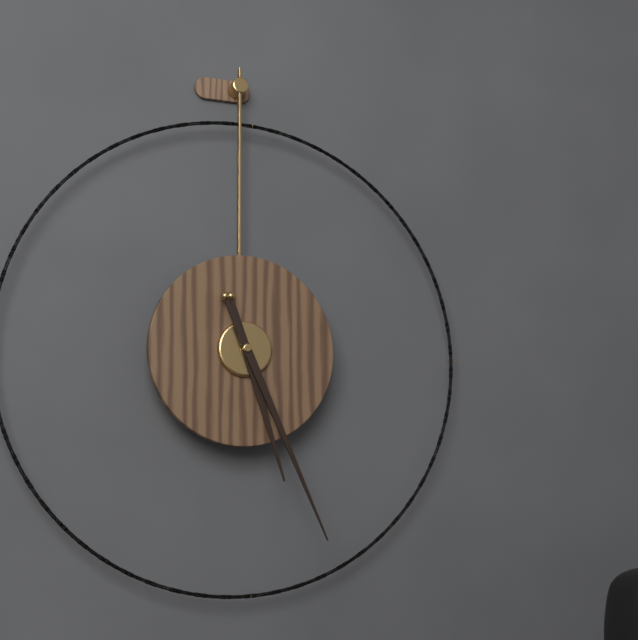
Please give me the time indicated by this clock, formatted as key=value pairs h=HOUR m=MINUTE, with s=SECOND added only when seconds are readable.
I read h=5 m=26
